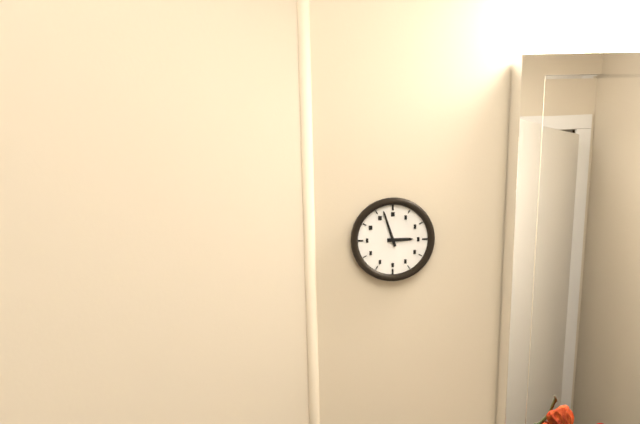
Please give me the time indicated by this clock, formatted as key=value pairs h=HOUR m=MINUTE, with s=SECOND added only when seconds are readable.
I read h=2 m=57
